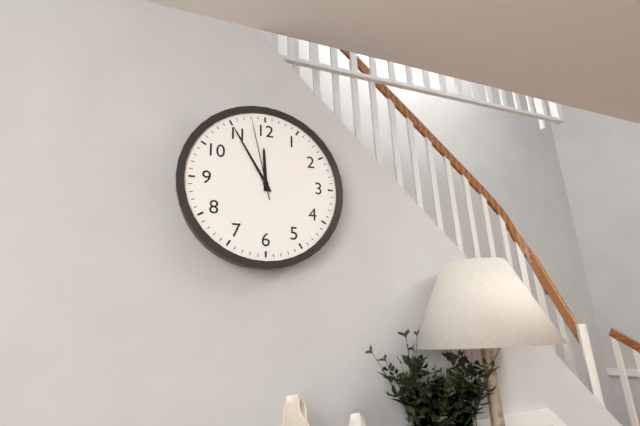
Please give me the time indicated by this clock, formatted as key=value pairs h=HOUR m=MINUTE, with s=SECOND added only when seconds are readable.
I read h=11 m=55 s=58
